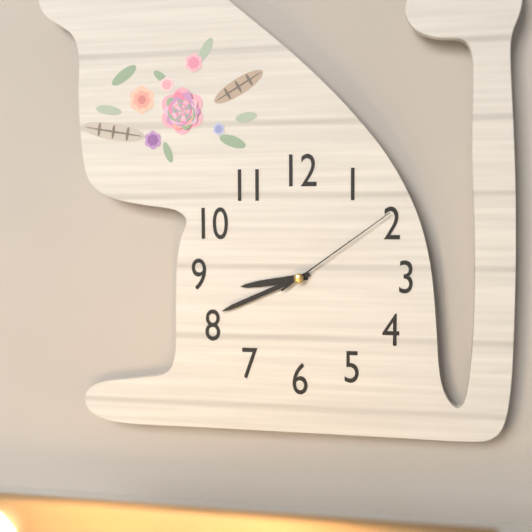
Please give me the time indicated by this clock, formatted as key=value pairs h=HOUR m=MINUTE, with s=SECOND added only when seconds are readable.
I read h=8 m=41 s=9
